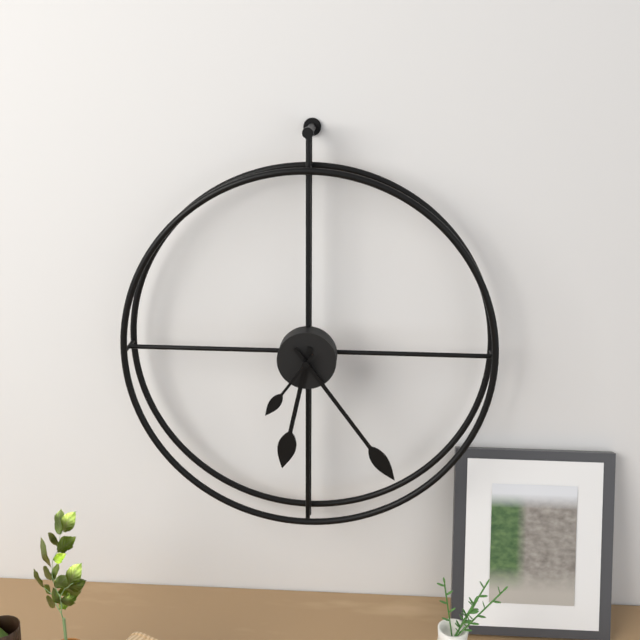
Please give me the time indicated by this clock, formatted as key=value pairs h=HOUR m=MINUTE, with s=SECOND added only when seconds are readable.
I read h=6 m=24 s=36
